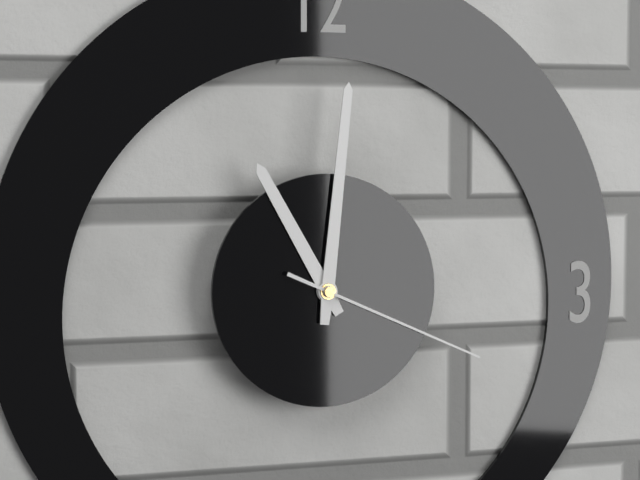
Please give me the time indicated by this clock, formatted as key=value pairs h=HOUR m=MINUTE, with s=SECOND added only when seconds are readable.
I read h=11 m=1 s=19
